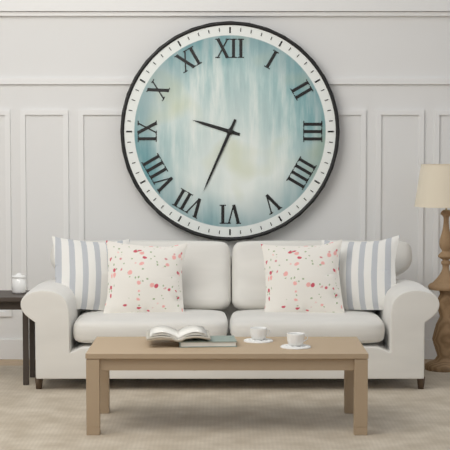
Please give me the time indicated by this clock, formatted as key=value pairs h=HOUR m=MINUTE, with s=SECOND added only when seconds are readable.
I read h=9 m=34
